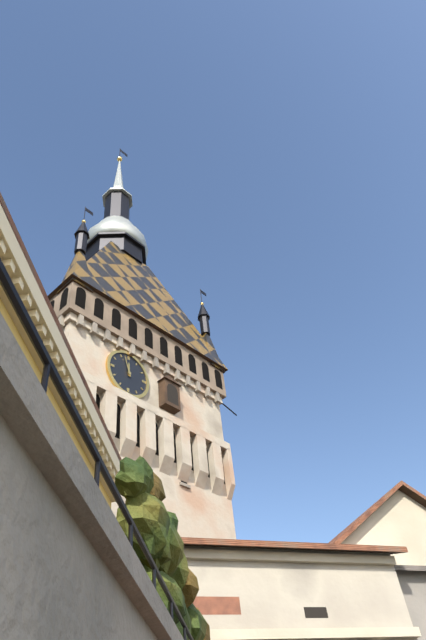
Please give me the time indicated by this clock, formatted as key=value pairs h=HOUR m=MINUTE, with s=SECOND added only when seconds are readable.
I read h=11 m=57
